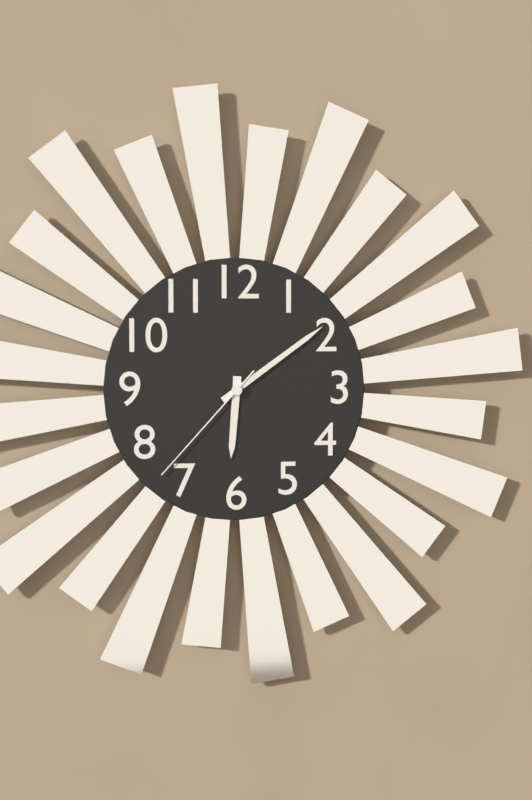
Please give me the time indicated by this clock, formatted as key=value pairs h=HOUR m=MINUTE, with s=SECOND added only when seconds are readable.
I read h=6 m=9 s=37
